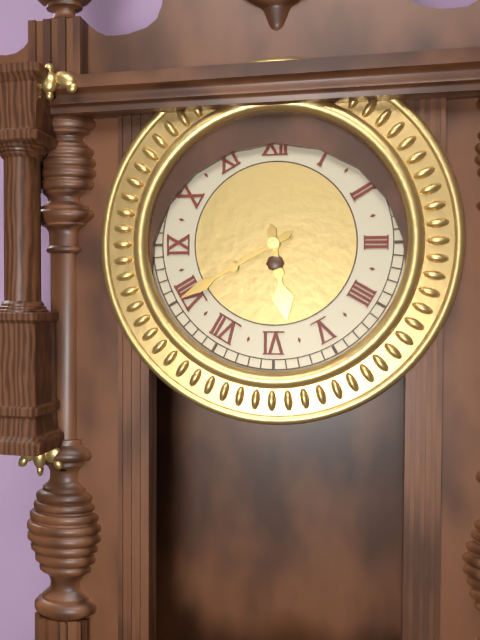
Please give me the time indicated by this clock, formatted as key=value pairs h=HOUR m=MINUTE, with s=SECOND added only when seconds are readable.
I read h=5 m=40
